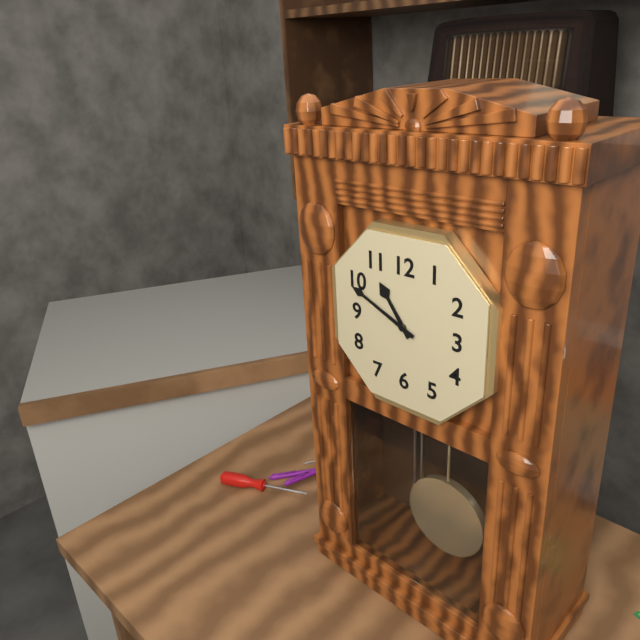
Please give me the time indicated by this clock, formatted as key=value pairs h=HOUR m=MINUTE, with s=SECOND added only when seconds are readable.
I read h=10 m=49
